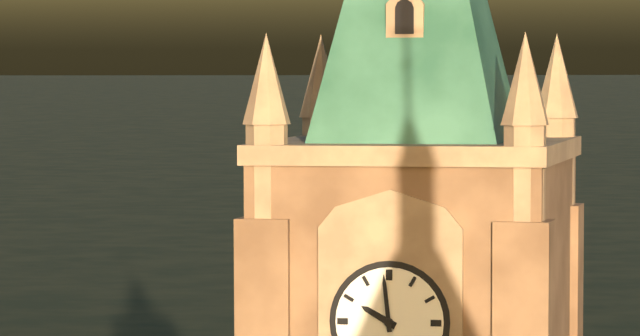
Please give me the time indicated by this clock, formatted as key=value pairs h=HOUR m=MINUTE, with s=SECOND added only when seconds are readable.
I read h=9 m=59
